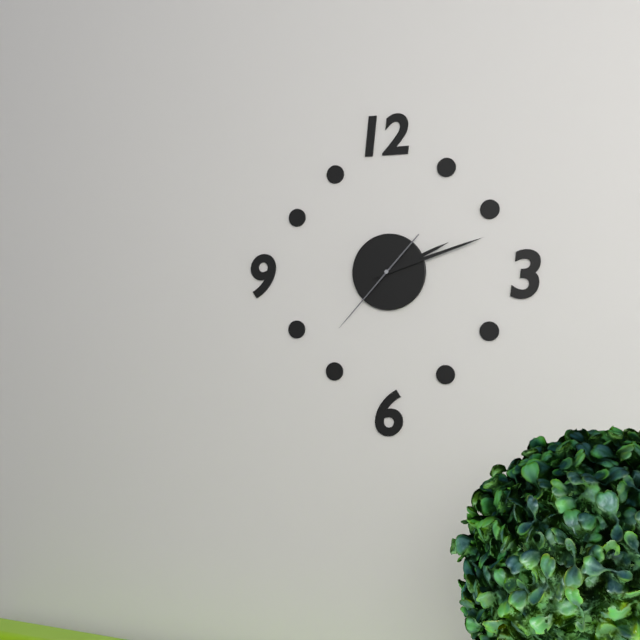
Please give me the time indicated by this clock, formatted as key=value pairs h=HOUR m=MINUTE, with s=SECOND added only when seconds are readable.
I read h=2 m=12 s=37
